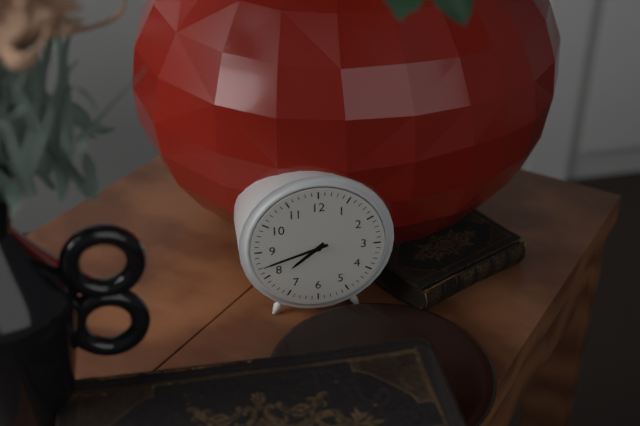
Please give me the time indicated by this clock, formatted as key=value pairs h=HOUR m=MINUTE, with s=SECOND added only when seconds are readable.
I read h=7 m=42
